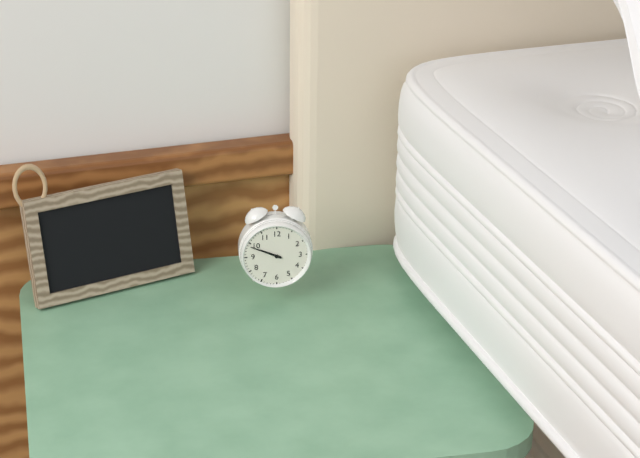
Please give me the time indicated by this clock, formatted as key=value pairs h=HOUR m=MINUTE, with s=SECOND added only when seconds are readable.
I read h=9 m=49
